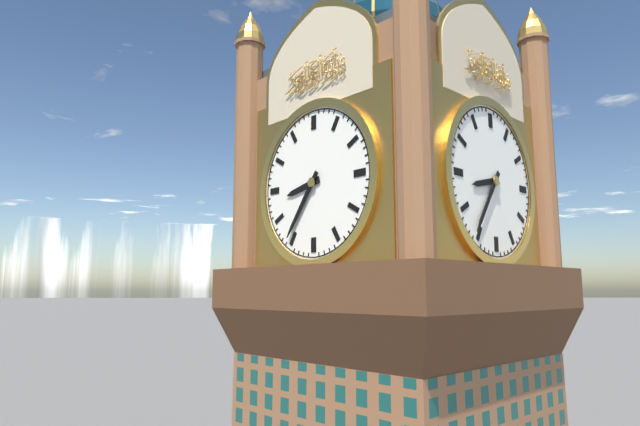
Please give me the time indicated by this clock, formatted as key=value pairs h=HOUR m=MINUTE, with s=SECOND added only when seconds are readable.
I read h=8 m=36
